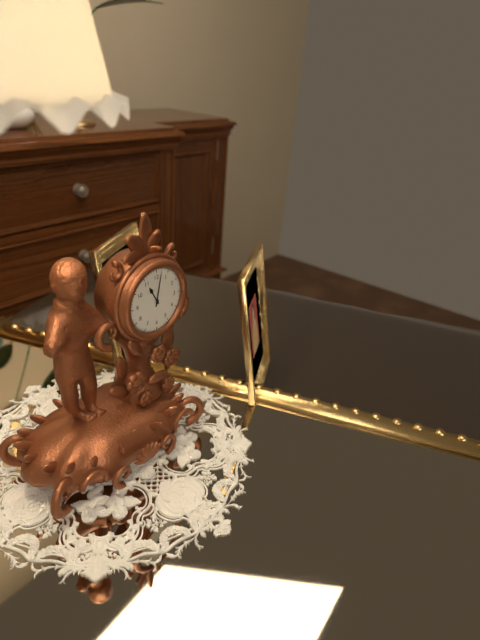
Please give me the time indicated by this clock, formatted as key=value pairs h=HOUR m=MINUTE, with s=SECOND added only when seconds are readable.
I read h=11 m=2
